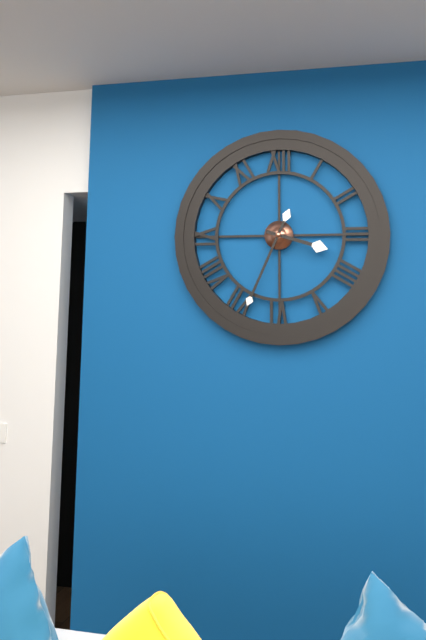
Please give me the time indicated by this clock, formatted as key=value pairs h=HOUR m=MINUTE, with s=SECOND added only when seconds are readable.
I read h=3 m=34
